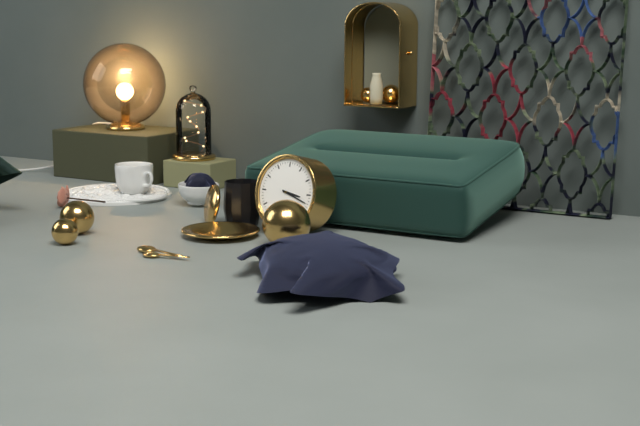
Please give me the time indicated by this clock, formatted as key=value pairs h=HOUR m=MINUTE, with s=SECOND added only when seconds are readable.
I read h=3 m=18
